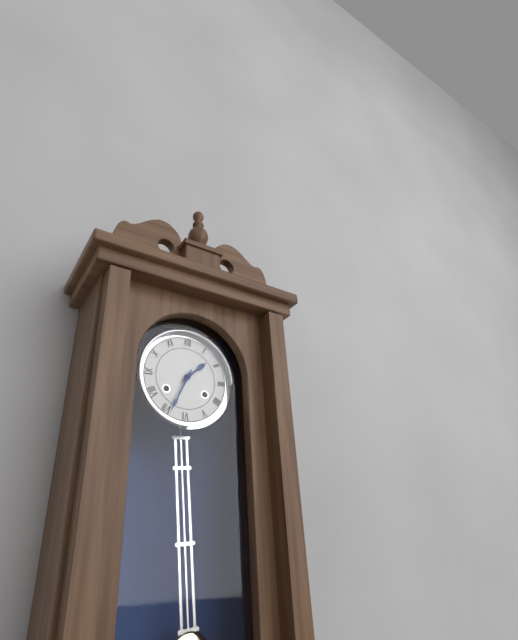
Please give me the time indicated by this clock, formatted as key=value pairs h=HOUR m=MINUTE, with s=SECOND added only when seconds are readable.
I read h=1 m=34
